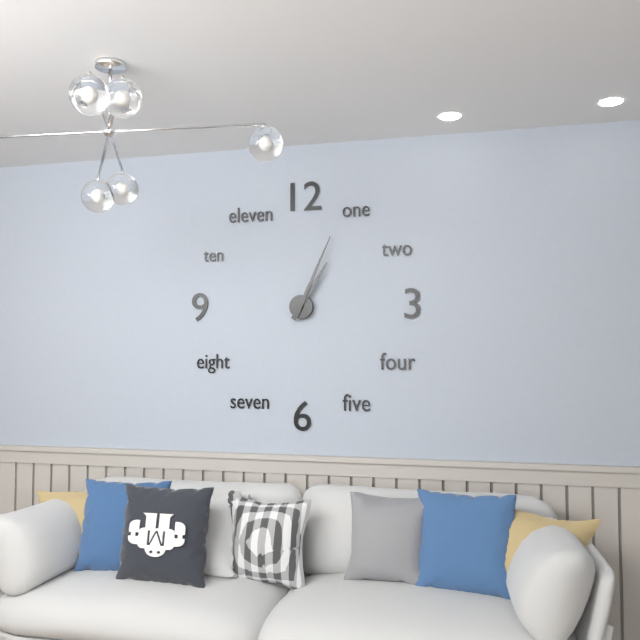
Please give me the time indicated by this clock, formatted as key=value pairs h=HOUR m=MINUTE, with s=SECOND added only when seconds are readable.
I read h=1 m=4
